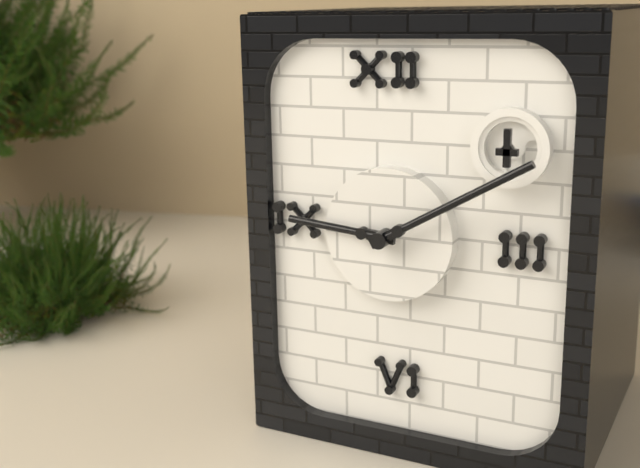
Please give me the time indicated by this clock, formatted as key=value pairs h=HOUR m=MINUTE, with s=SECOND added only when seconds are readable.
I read h=9 m=10
